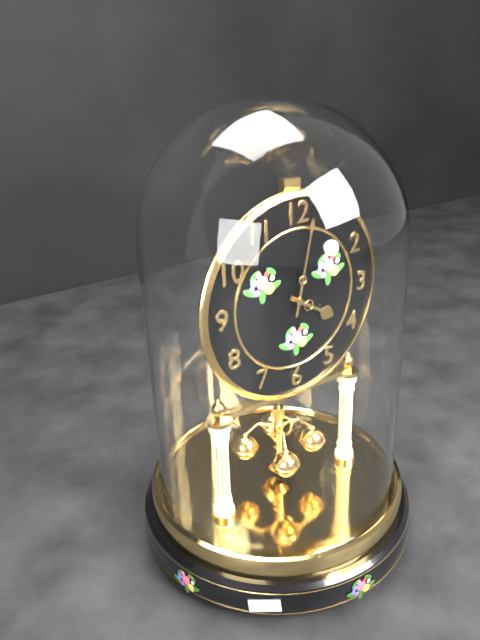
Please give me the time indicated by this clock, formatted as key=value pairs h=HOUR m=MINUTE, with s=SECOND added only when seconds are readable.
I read h=4 m=2
